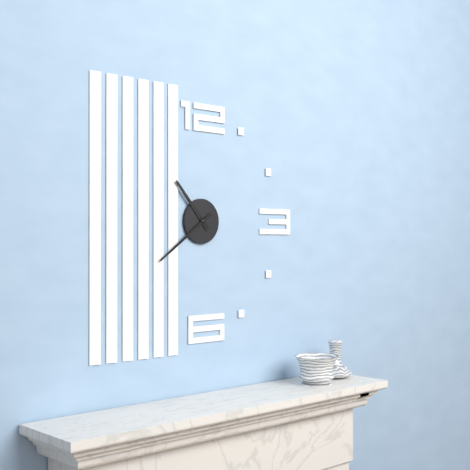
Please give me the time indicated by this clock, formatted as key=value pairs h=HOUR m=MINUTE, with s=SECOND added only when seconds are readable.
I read h=10 m=39
